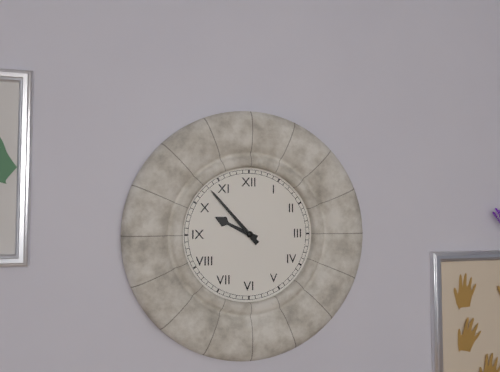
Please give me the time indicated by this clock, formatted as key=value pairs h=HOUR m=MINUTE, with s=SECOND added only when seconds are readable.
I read h=9 m=53
